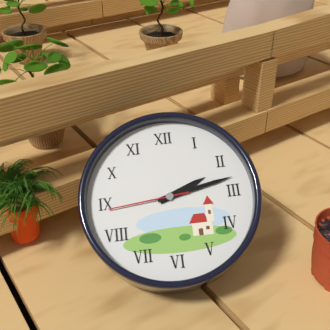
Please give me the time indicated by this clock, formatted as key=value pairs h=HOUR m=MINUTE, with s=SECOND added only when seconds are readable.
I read h=2 m=13 s=44
